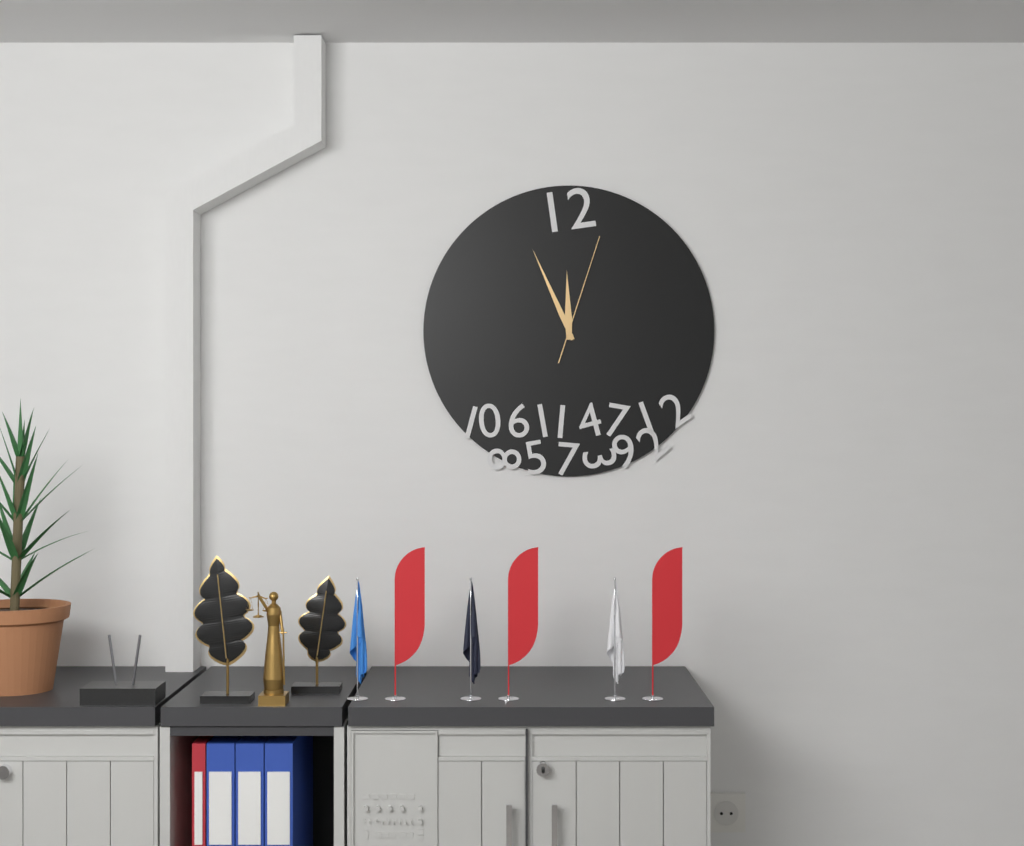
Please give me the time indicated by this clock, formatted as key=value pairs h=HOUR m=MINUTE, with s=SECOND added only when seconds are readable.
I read h=11 m=56 s=3
